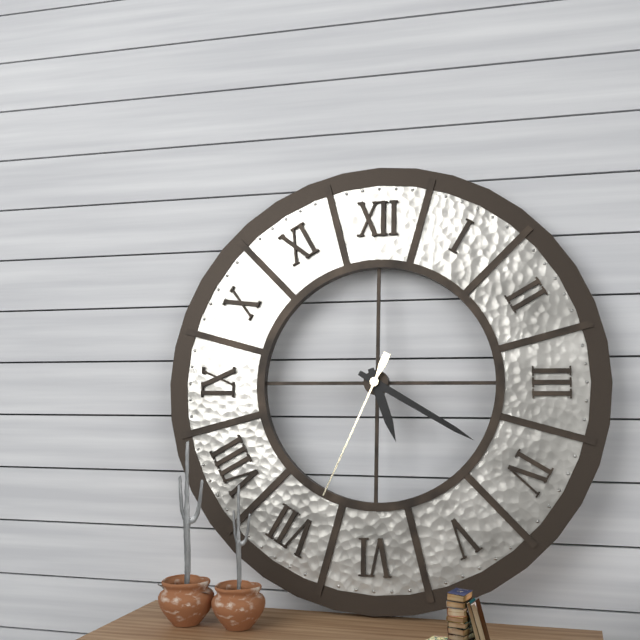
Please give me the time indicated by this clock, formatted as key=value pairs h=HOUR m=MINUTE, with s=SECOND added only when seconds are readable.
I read h=5 m=20 s=34
